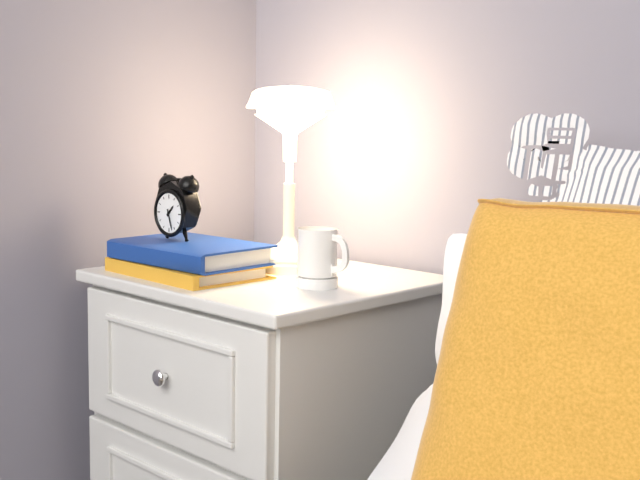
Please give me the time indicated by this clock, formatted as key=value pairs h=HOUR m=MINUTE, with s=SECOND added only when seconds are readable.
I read h=1 m=27
